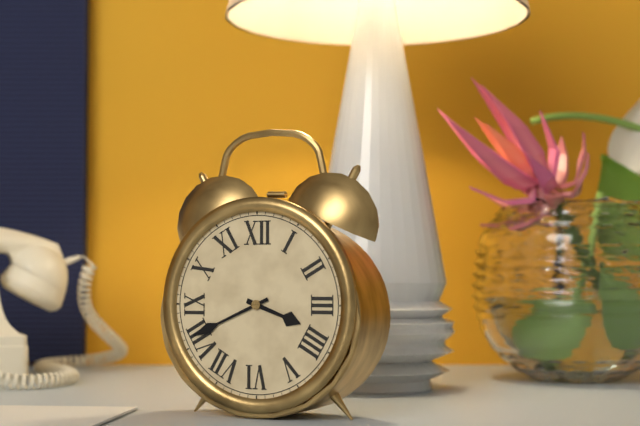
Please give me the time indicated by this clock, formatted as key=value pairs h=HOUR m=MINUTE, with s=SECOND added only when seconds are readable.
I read h=3 m=41
